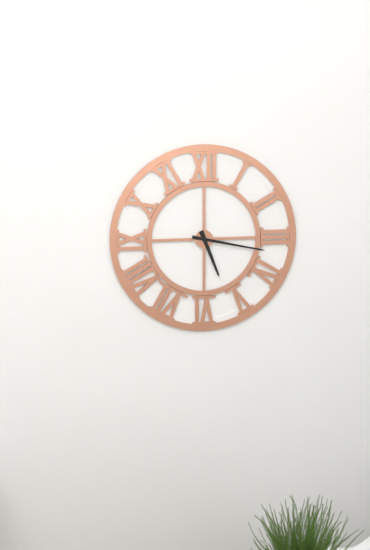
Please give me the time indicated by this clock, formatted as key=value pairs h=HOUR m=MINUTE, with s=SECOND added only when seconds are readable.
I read h=5 m=17
